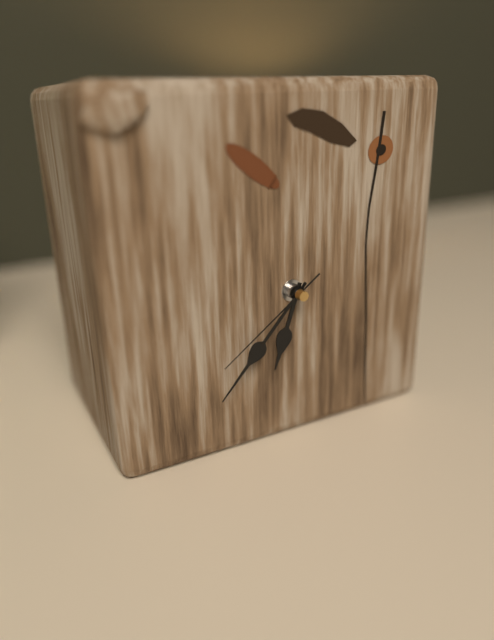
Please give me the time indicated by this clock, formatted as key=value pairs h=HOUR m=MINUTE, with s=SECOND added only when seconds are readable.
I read h=6 m=37 s=39
